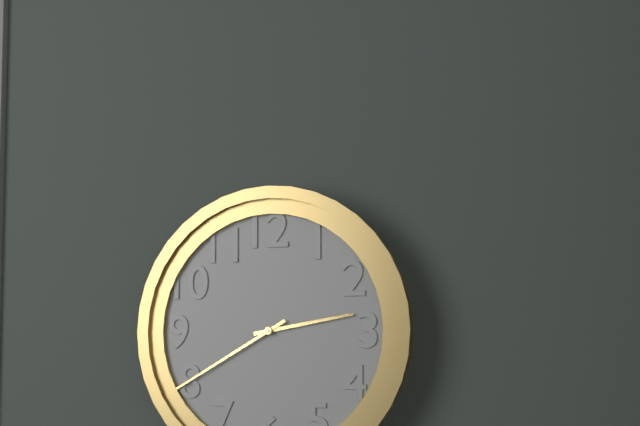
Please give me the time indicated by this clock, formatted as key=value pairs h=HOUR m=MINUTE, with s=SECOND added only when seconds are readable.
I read h=2 m=40
